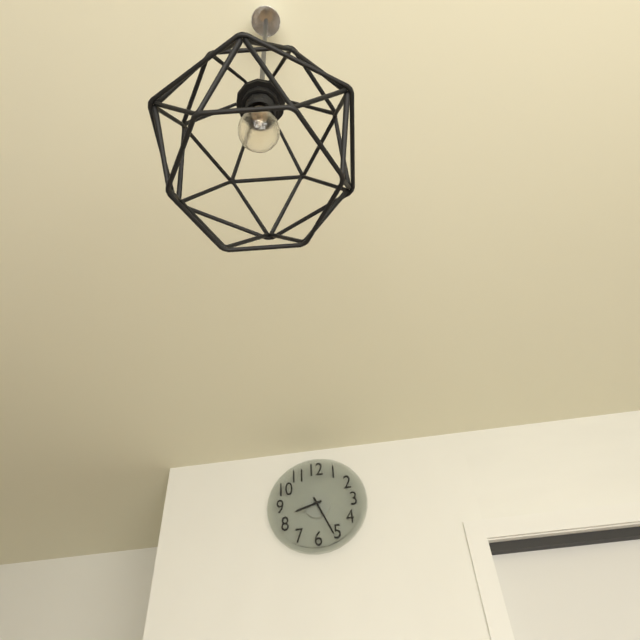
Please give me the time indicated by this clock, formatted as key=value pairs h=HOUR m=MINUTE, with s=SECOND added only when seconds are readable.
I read h=8 m=26
